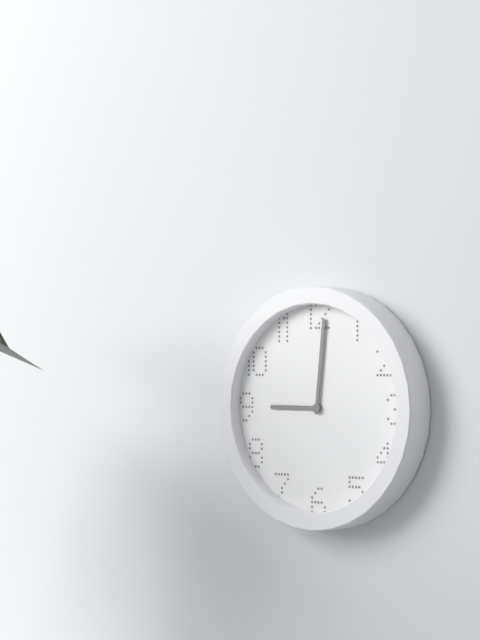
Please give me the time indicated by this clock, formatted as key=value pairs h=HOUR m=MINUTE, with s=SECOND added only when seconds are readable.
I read h=9 m=1
